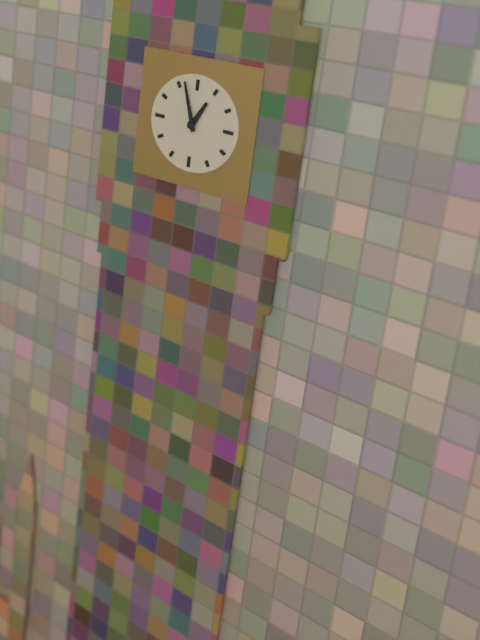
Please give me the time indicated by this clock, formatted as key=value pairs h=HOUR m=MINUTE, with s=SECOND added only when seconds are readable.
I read h=12 m=57
